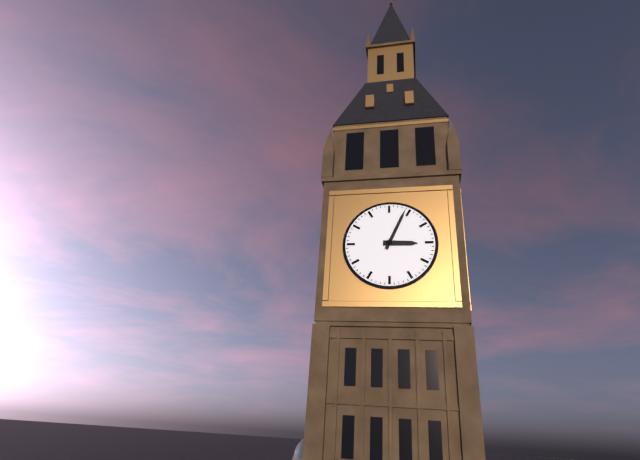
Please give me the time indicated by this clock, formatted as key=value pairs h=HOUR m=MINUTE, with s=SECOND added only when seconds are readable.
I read h=3 m=4
